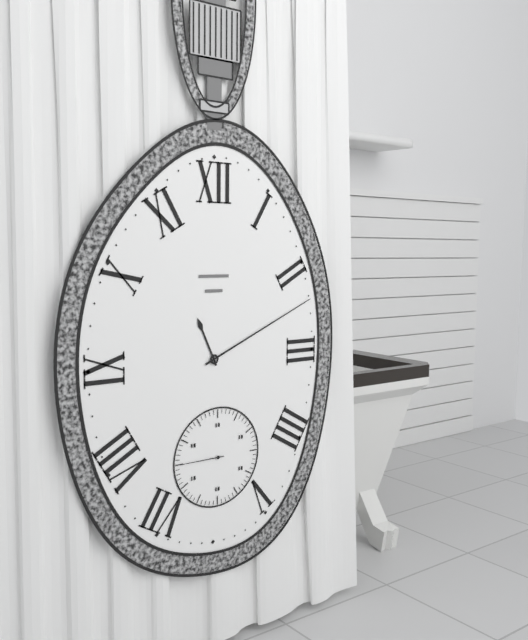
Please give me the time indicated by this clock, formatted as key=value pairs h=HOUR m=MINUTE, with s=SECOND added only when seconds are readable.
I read h=11 m=11
